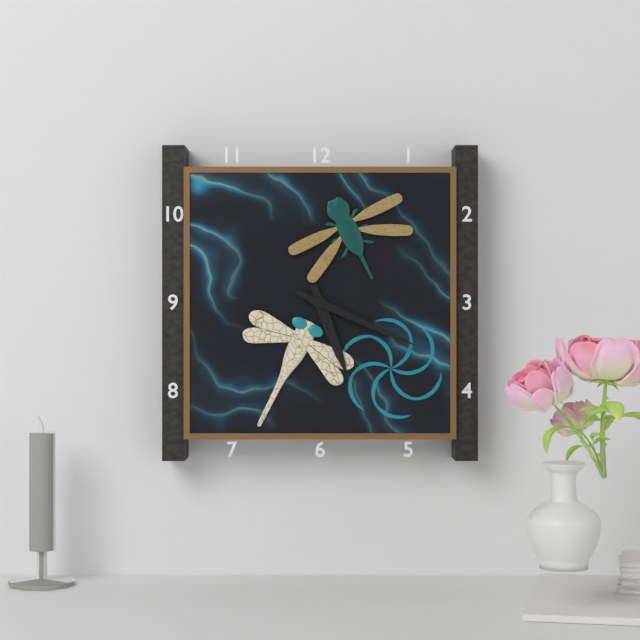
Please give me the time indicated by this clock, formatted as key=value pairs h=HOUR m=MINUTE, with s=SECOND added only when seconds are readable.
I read h=5 m=19
